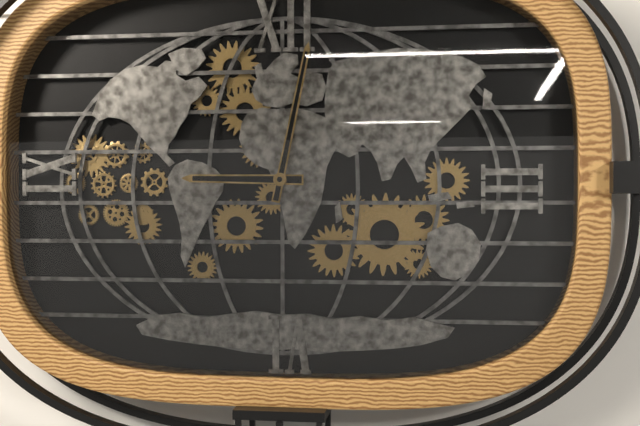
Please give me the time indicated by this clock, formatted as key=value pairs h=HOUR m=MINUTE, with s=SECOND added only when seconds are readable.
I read h=9 m=2
